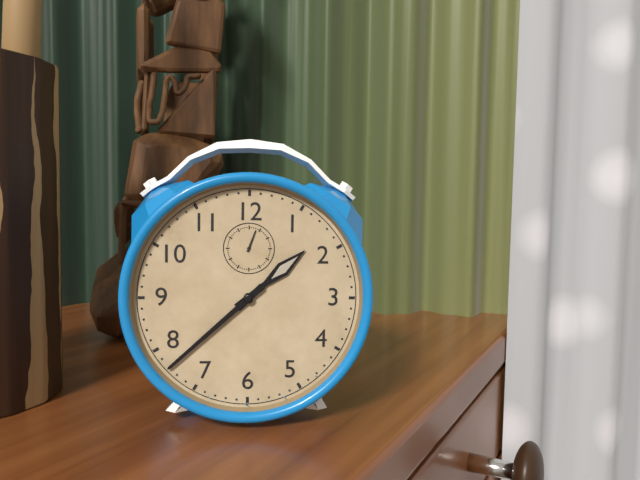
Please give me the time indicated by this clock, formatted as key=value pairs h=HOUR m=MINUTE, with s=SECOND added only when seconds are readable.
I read h=1 m=38
